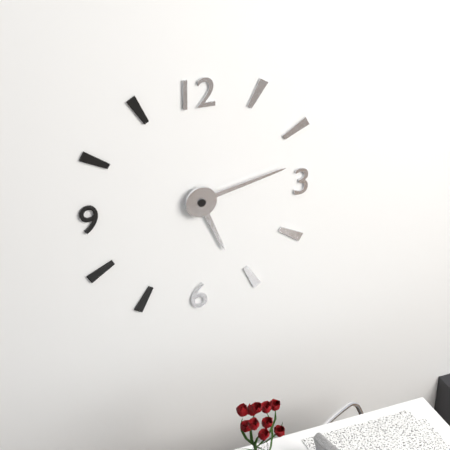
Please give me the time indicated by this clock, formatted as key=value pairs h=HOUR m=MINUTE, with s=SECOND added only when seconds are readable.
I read h=5 m=13
